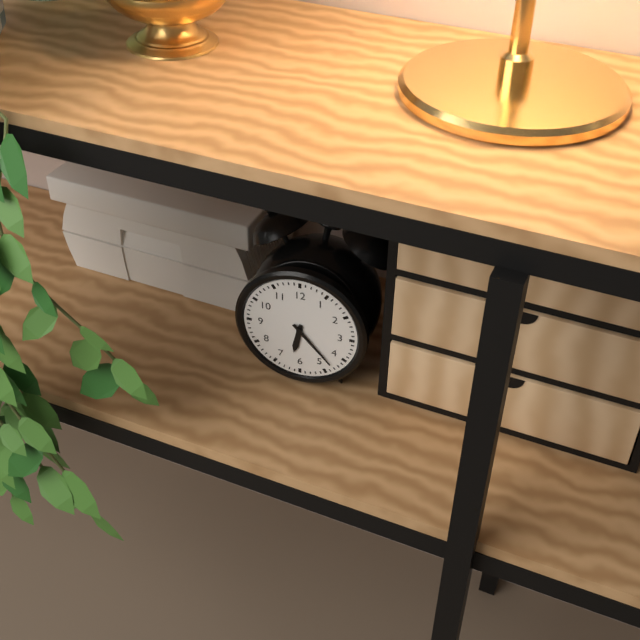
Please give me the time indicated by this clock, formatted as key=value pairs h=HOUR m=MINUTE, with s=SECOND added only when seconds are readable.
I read h=6 m=23
